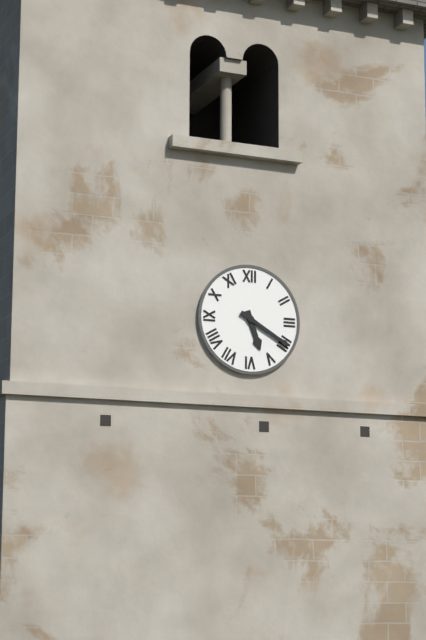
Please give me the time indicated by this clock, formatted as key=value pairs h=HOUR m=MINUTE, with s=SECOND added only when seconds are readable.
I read h=5 m=20
